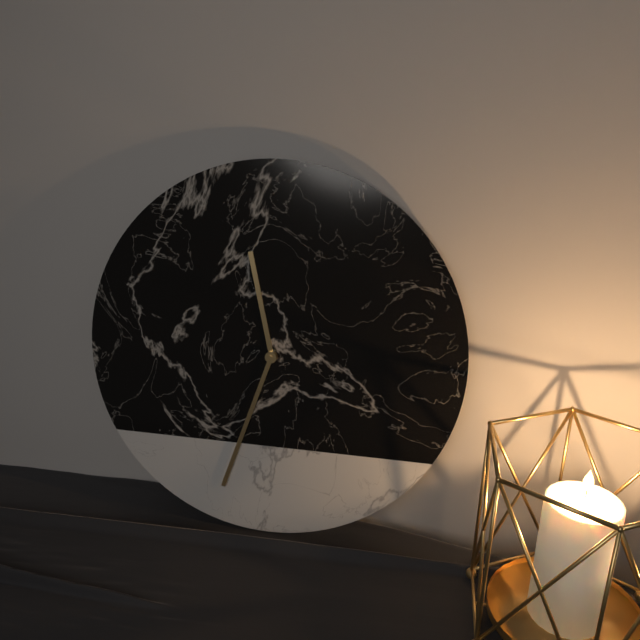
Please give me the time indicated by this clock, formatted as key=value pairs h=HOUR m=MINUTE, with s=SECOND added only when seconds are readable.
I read h=11 m=33
